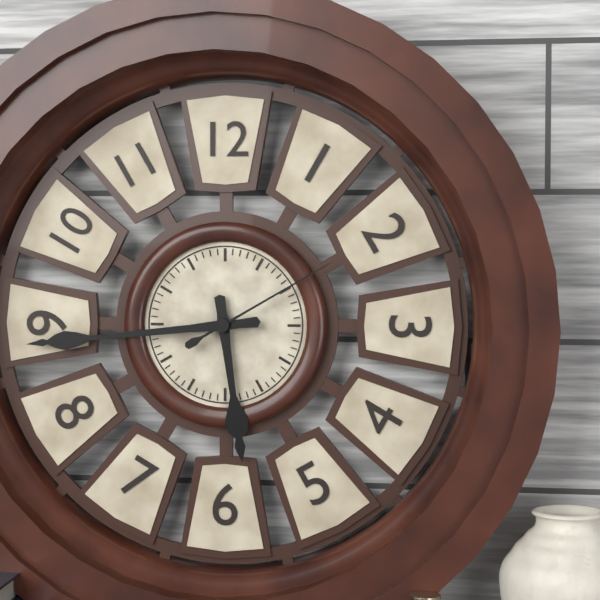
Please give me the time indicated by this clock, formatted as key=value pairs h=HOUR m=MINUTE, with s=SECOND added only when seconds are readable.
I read h=5 m=44 s=10
